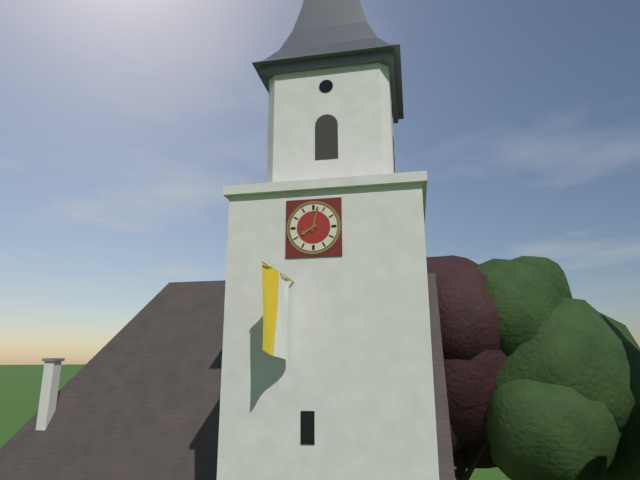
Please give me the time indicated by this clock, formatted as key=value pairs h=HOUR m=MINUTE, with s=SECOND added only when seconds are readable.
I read h=8 m=2
